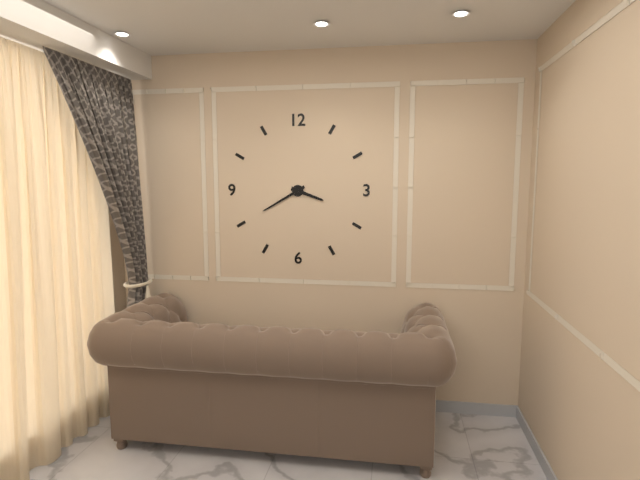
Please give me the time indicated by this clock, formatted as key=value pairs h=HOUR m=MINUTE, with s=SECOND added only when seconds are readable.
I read h=3 m=40
